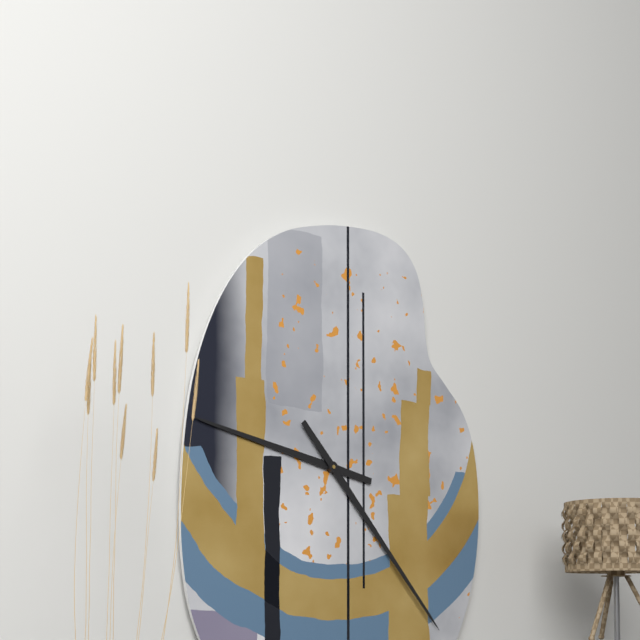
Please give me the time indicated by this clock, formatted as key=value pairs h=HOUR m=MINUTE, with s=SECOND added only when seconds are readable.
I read h=9 m=23
